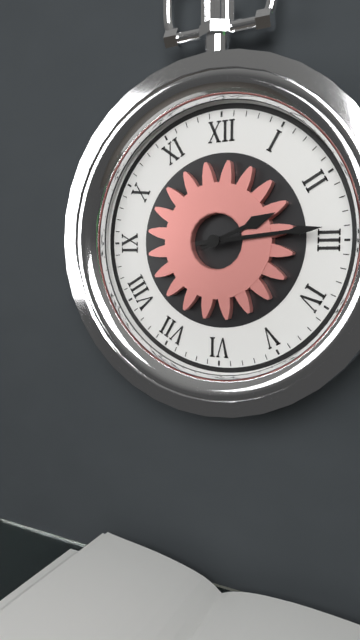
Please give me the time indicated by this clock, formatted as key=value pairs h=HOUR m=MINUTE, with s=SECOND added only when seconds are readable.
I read h=2 m=14
